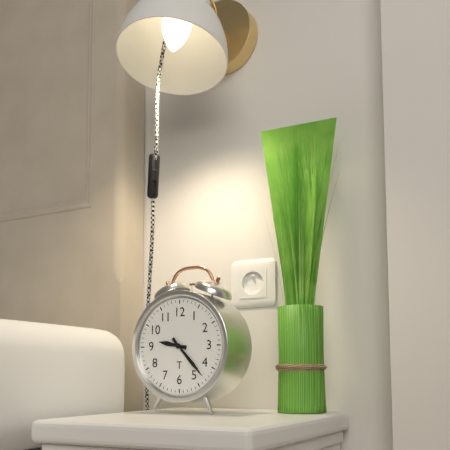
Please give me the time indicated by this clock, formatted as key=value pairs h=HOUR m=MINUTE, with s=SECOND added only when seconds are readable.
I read h=9 m=23
